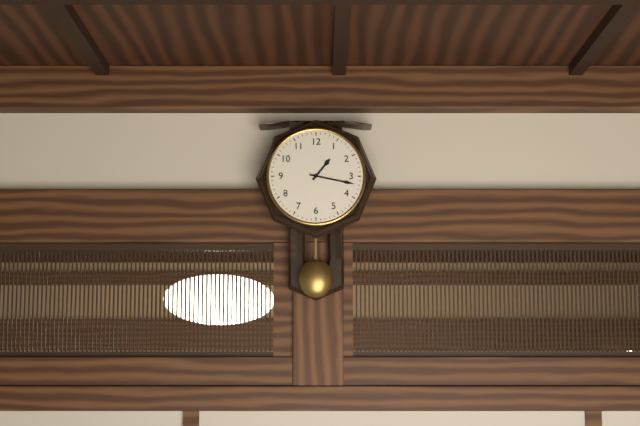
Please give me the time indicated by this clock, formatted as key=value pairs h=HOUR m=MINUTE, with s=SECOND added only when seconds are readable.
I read h=1 m=17
